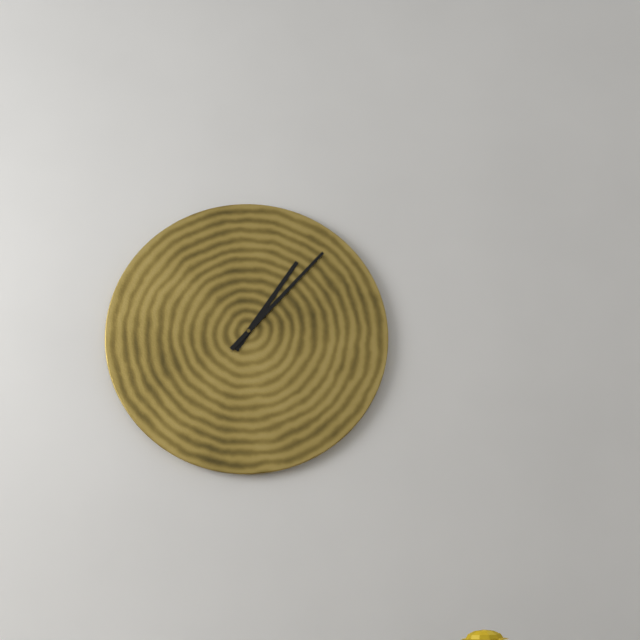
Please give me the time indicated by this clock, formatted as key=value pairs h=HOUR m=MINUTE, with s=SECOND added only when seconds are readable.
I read h=1 m=7
